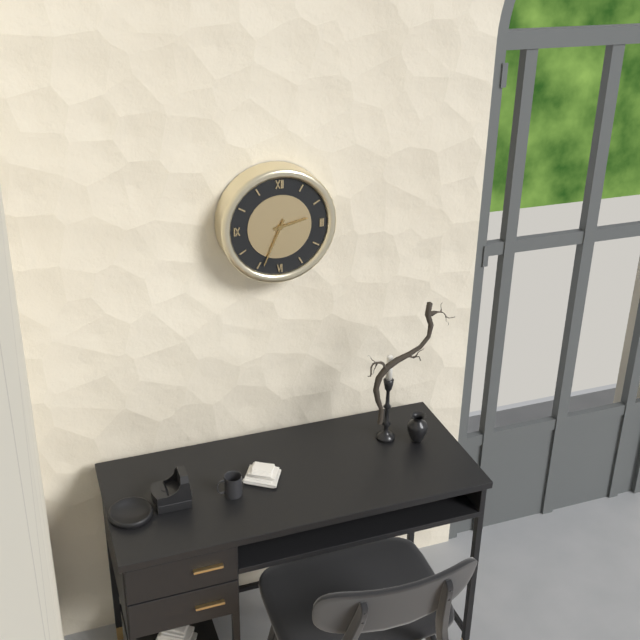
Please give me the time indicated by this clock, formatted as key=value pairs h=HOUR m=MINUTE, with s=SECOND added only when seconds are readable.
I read h=2 m=34
